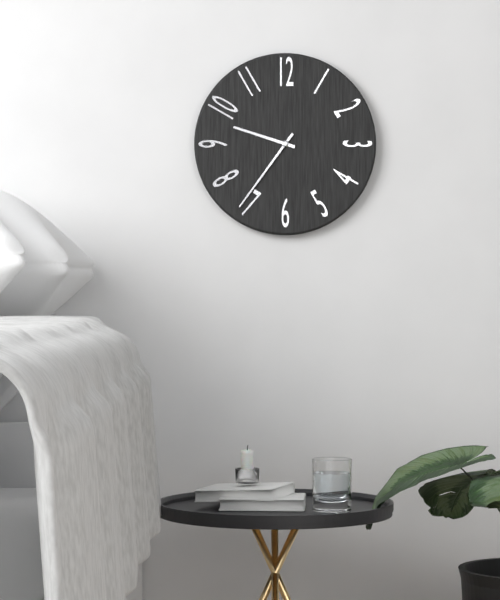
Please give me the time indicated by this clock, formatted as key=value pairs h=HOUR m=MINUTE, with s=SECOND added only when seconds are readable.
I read h=9 m=36
